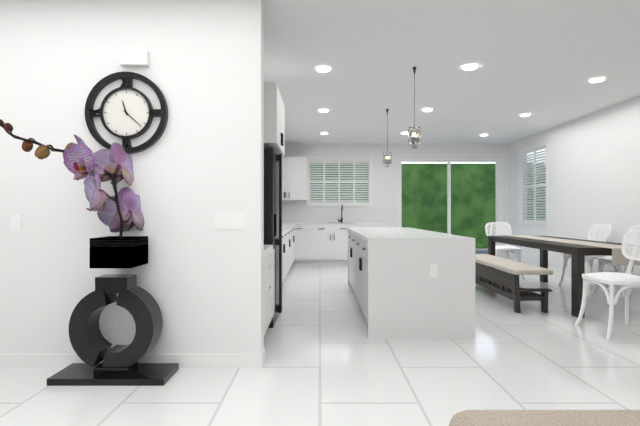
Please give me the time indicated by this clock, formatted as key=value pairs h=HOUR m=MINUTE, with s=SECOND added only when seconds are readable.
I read h=11 m=22
